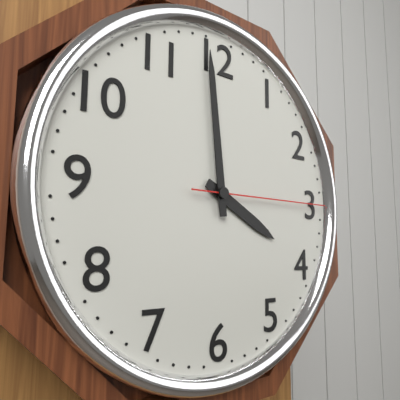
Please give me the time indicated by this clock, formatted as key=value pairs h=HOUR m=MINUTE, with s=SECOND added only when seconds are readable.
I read h=3 m=59 s=15
